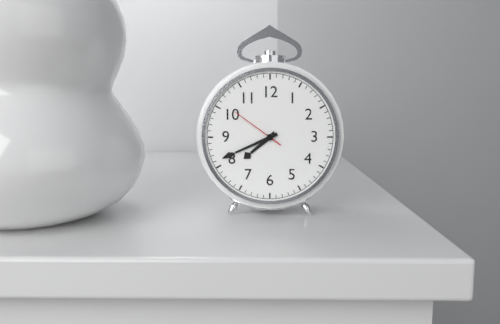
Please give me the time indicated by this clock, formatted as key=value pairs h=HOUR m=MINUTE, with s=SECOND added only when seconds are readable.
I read h=7 m=41 s=51
